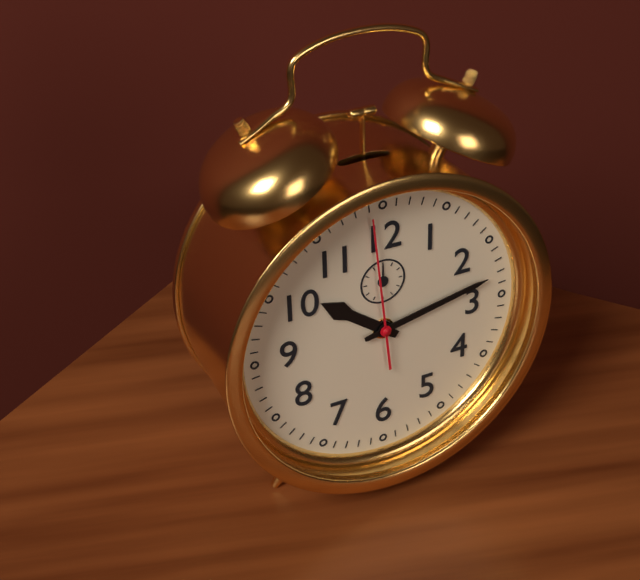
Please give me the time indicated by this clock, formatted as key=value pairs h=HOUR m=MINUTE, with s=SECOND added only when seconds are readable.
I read h=10 m=13 s=59
